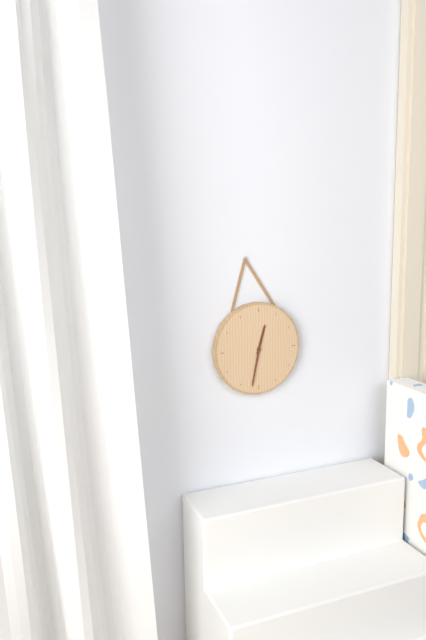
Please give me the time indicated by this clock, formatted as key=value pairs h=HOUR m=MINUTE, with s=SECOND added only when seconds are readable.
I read h=12 m=32
